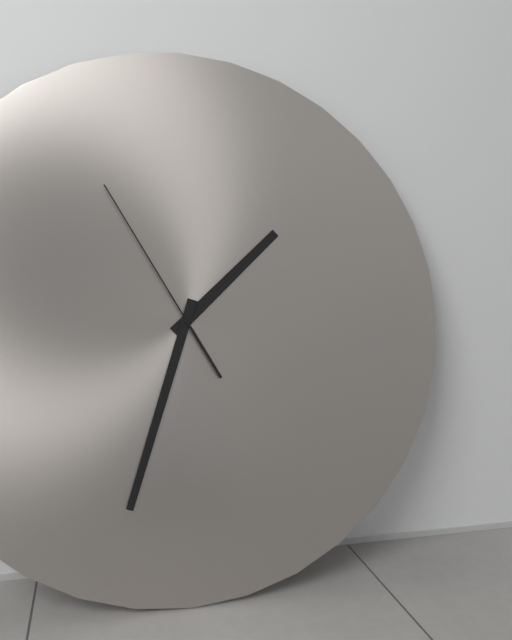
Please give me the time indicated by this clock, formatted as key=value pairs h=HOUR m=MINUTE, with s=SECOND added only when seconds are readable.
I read h=1 m=33 s=55
